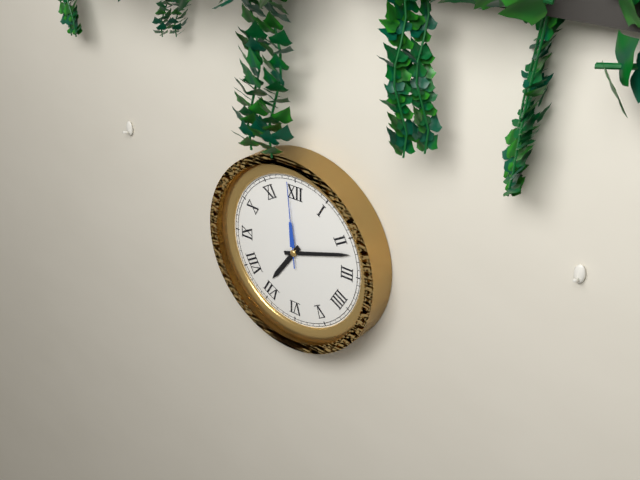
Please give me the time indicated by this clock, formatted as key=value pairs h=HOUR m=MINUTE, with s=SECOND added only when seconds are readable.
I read h=7 m=12 s=59
